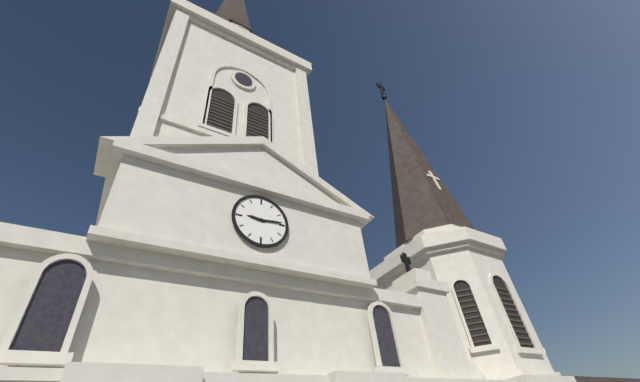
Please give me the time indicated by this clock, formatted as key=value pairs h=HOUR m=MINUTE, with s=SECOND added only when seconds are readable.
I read h=9 m=14
